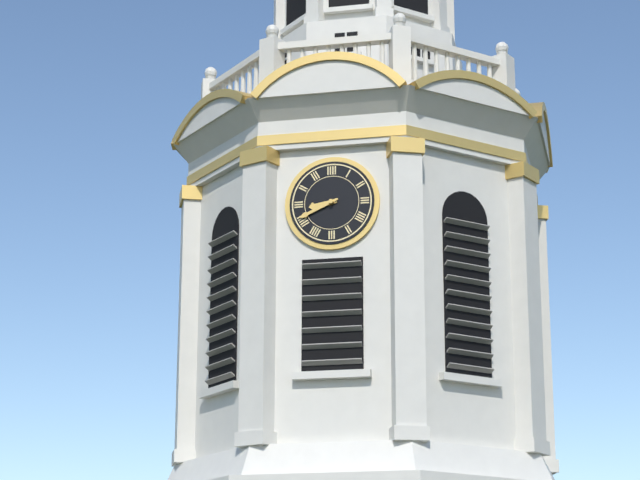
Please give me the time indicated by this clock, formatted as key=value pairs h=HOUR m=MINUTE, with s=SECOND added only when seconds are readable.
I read h=8 m=41
